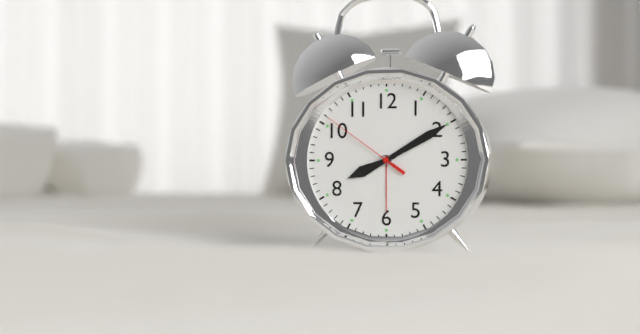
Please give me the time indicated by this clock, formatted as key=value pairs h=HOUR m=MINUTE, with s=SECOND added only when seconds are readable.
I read h=8 m=10 s=51
